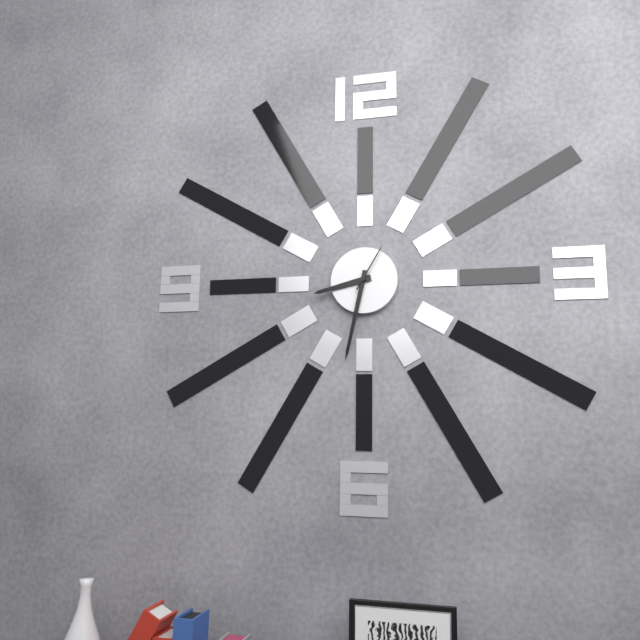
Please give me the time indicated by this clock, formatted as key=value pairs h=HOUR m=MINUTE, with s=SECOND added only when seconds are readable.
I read h=8 m=32 s=5
